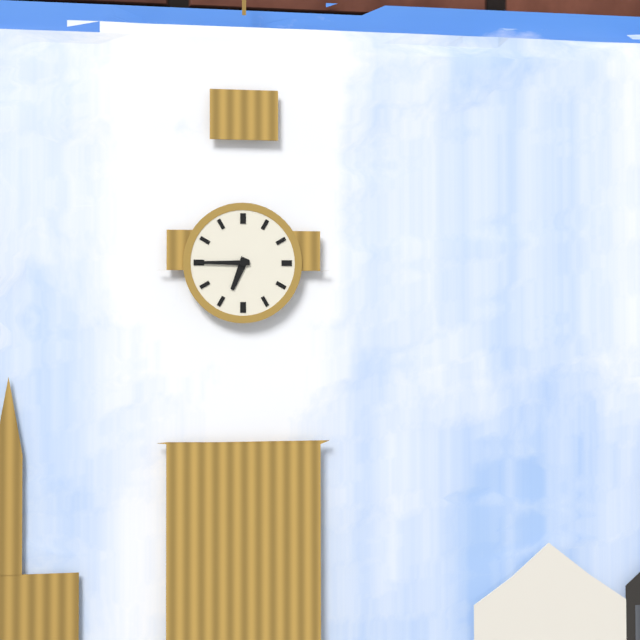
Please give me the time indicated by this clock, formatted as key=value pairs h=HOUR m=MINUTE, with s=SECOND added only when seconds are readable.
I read h=6 m=45
